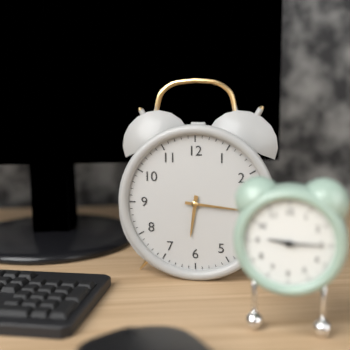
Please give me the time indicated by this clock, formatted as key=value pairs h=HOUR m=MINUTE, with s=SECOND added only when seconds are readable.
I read h=6 m=16
